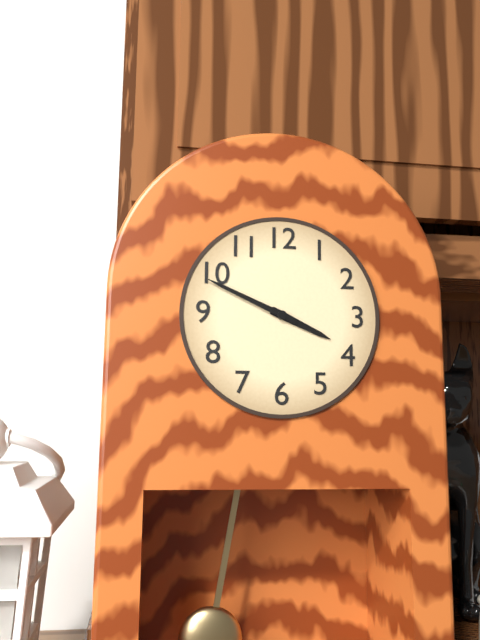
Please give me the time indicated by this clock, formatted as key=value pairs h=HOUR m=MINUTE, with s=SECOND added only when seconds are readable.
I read h=3 m=49
